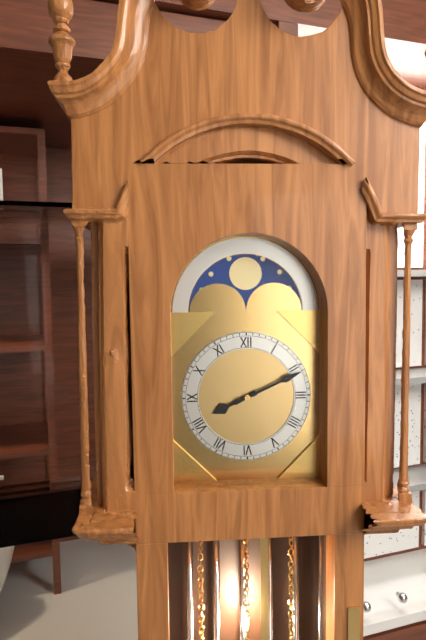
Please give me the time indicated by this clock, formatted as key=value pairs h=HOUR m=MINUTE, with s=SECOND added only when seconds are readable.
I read h=8 m=11
